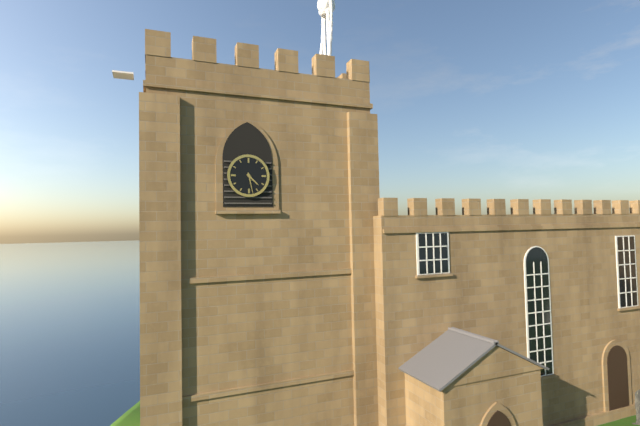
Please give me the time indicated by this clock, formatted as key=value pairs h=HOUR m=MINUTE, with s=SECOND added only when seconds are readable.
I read h=4 m=28
